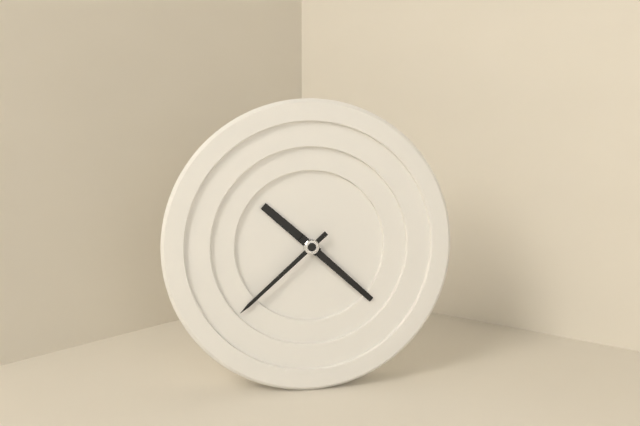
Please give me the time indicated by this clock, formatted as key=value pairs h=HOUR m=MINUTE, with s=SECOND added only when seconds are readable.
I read h=10 m=22 s=38
